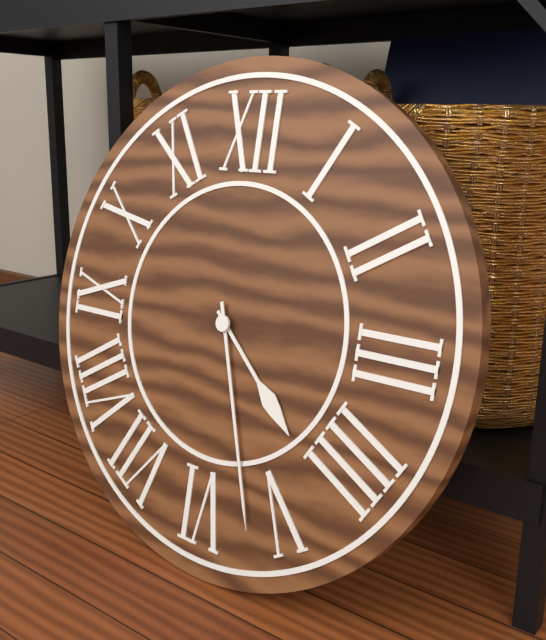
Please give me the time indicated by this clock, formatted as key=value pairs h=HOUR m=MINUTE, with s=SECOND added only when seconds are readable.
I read h=4 m=27
